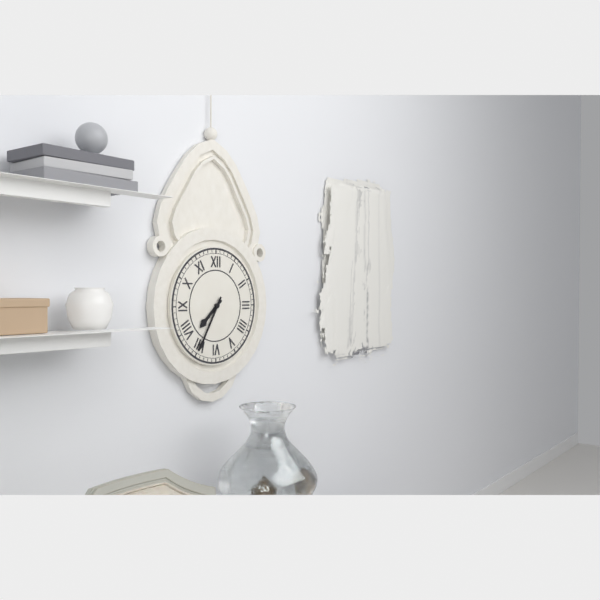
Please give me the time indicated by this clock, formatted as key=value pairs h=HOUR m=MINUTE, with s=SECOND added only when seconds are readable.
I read h=7 m=35
